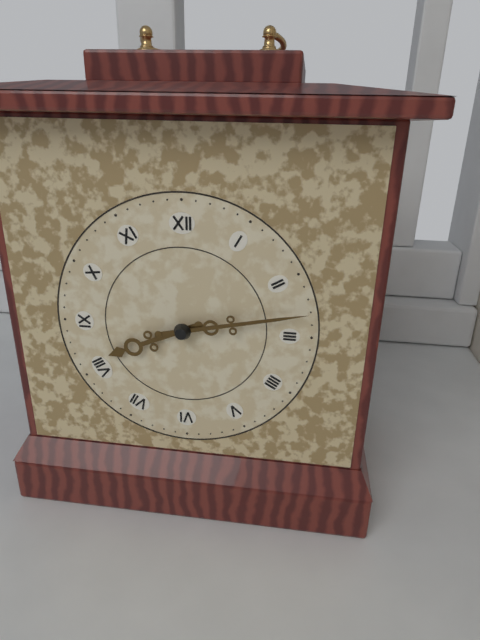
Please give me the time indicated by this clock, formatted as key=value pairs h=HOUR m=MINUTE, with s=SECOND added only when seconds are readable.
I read h=8 m=13
